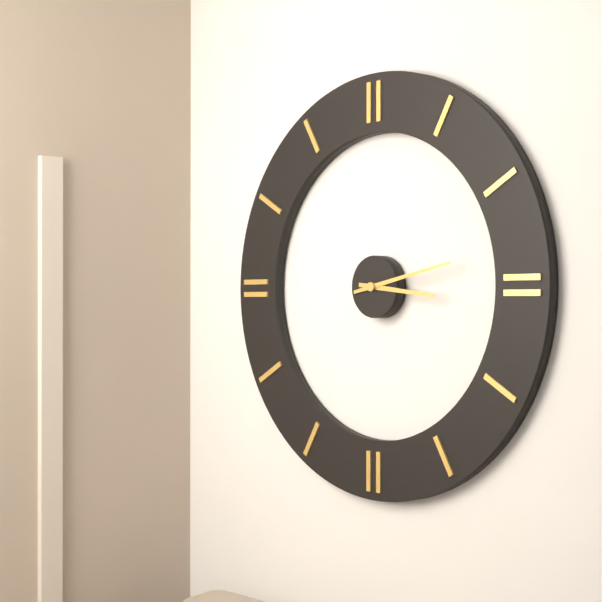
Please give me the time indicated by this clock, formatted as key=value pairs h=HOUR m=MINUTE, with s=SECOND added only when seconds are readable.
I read h=3 m=13
